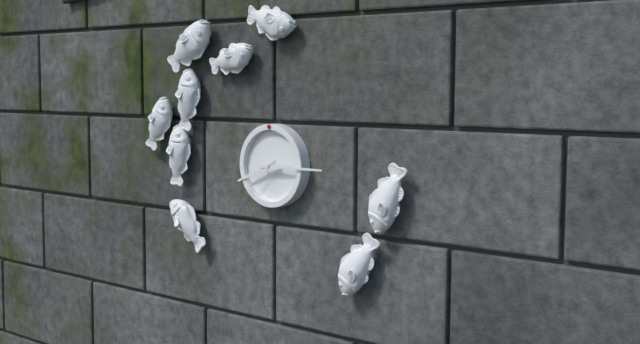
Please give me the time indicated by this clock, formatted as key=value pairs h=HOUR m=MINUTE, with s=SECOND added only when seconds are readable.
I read h=8 m=15
